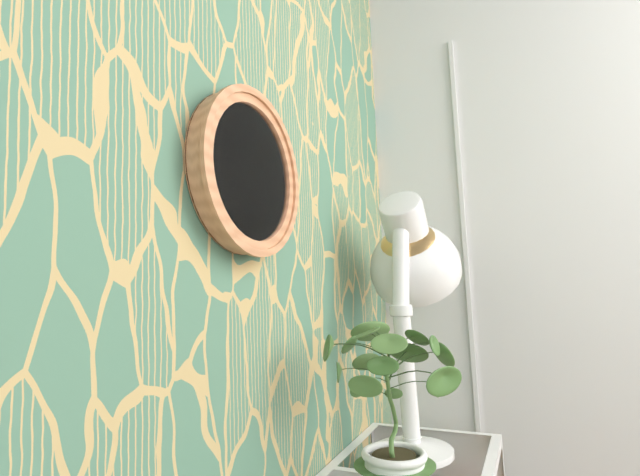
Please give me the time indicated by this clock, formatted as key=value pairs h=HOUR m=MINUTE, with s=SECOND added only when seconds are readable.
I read h=5 m=50
